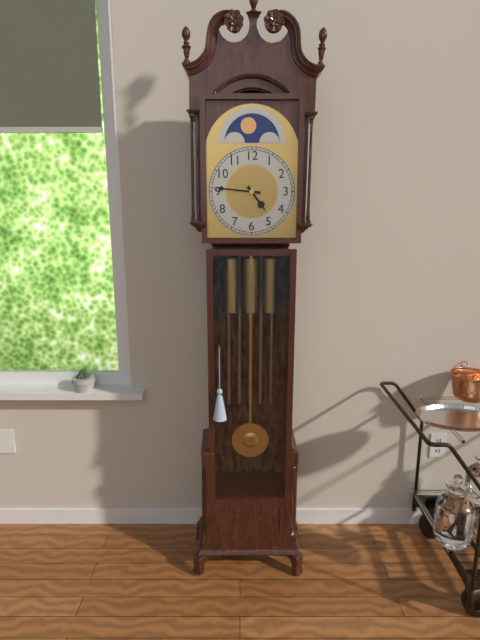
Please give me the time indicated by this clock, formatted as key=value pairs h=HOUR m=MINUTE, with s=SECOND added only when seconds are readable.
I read h=4 m=46
